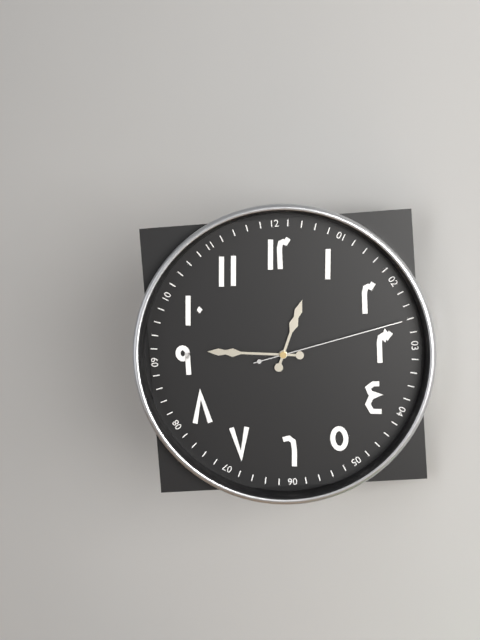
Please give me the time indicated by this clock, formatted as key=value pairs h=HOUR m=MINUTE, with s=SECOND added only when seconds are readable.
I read h=12 m=46 s=13
